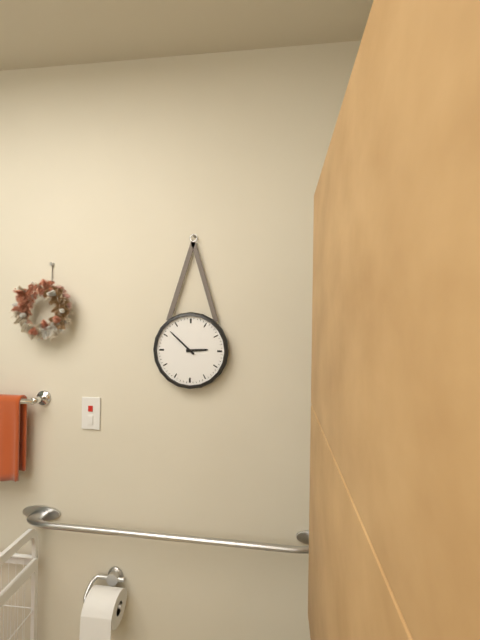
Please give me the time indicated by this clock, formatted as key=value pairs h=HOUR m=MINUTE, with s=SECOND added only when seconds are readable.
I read h=2 m=52
